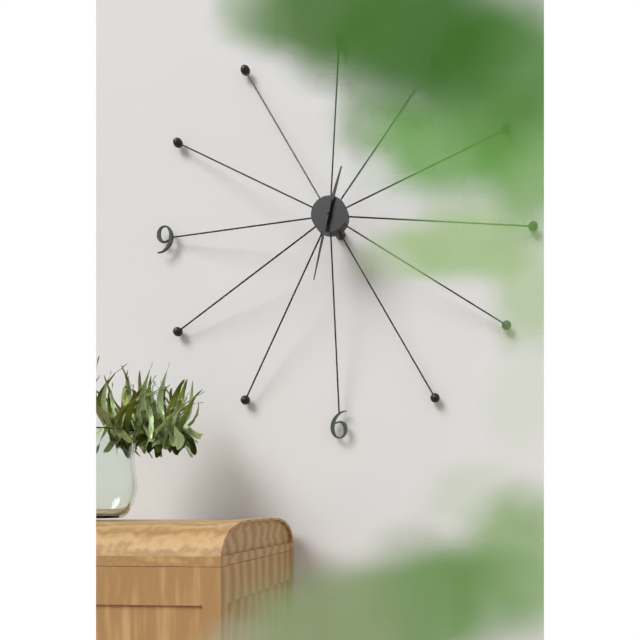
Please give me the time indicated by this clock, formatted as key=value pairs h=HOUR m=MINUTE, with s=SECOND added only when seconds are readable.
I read h=12 m=32
